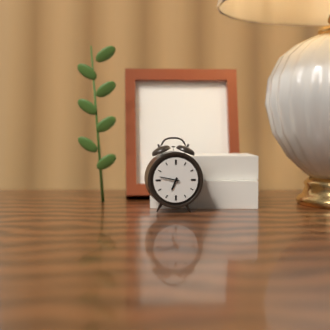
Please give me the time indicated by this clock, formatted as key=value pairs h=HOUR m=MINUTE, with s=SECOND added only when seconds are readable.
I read h=6 m=47
